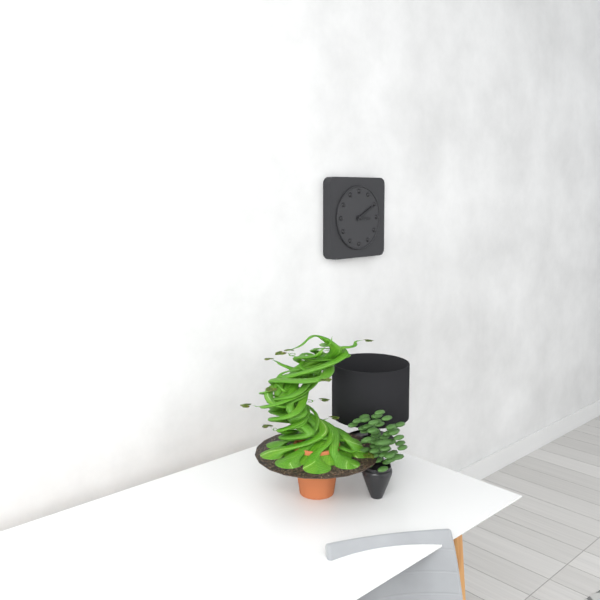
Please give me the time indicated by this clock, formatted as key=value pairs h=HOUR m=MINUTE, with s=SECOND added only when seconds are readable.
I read h=3 m=10
